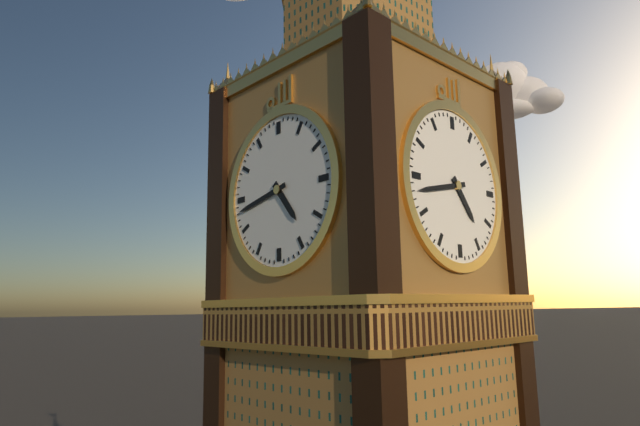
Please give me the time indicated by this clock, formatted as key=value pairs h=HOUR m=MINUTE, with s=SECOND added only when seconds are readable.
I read h=4 m=43
